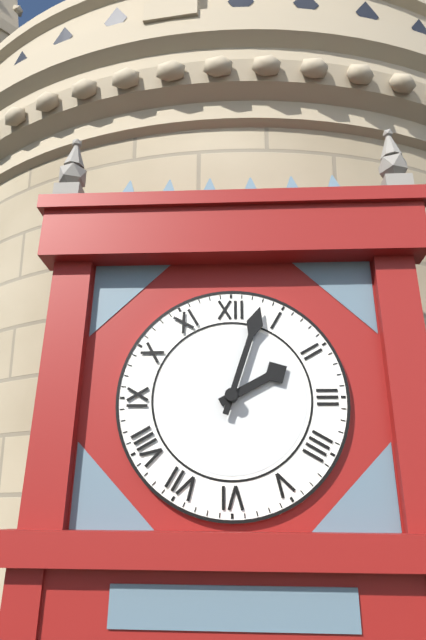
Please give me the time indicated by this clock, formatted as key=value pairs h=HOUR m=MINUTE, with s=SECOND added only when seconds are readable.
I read h=2 m=3
